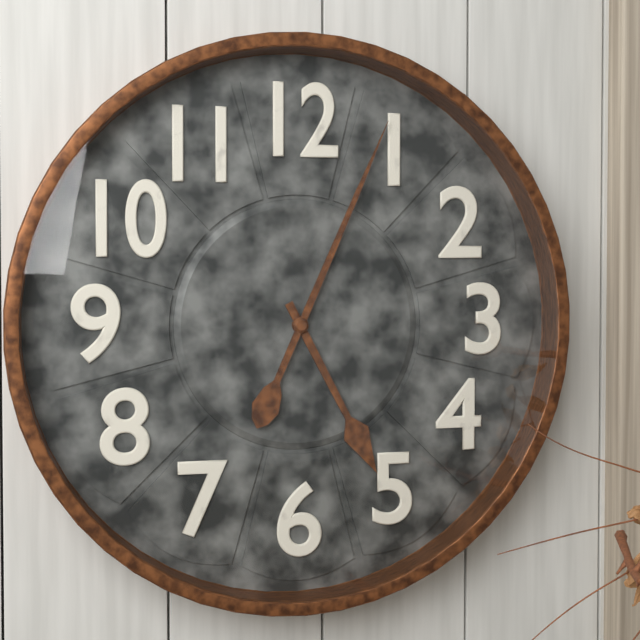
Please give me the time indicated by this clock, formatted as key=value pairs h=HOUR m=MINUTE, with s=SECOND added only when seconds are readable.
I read h=5 m=4
